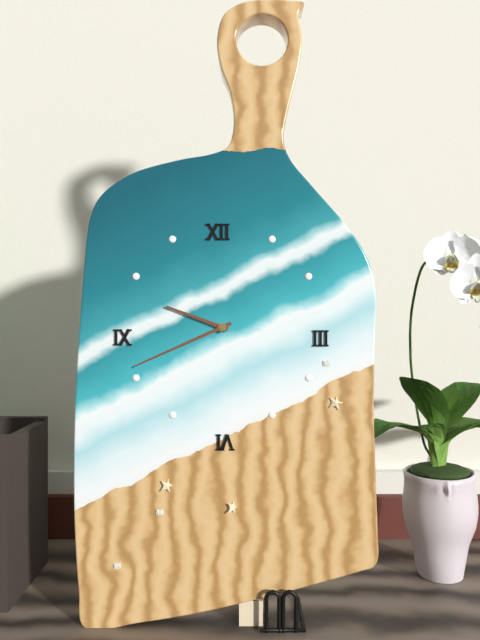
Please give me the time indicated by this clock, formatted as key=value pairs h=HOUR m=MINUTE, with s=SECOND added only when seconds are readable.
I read h=9 m=41
